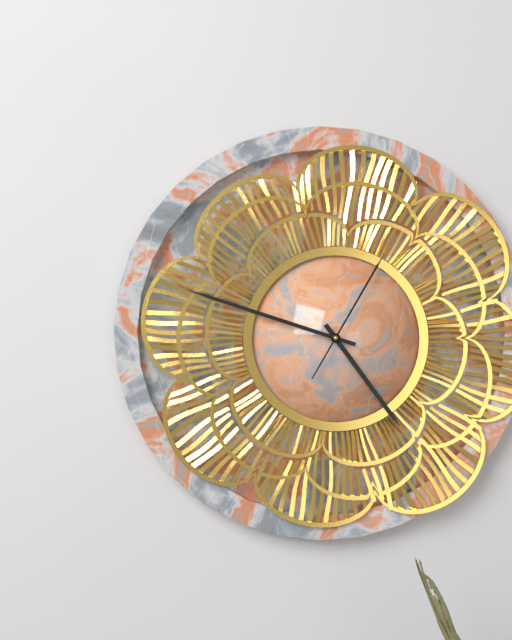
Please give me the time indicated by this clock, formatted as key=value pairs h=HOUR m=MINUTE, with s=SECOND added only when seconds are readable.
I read h=4 m=48 s=5
